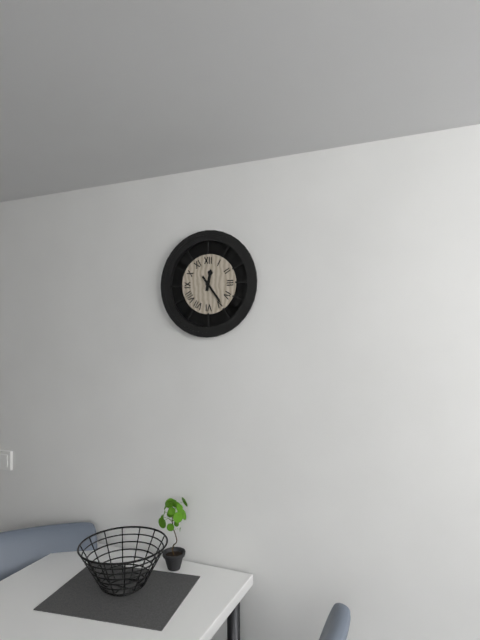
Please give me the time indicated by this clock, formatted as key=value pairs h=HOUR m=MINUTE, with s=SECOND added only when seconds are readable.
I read h=12 m=24
